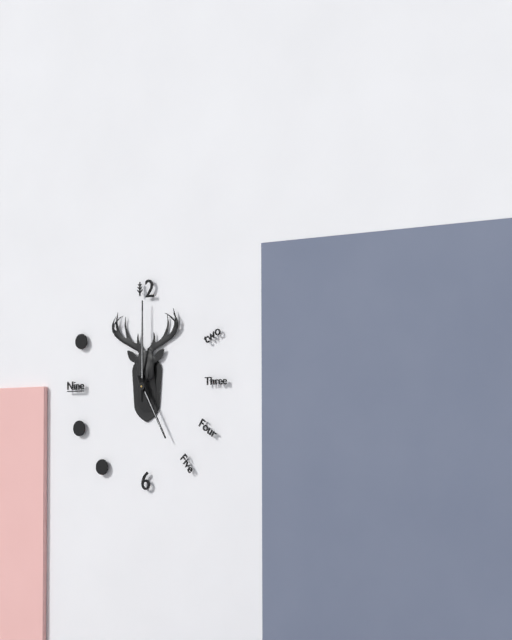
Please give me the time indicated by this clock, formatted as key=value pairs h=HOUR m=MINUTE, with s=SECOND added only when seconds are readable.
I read h=5 m=0
